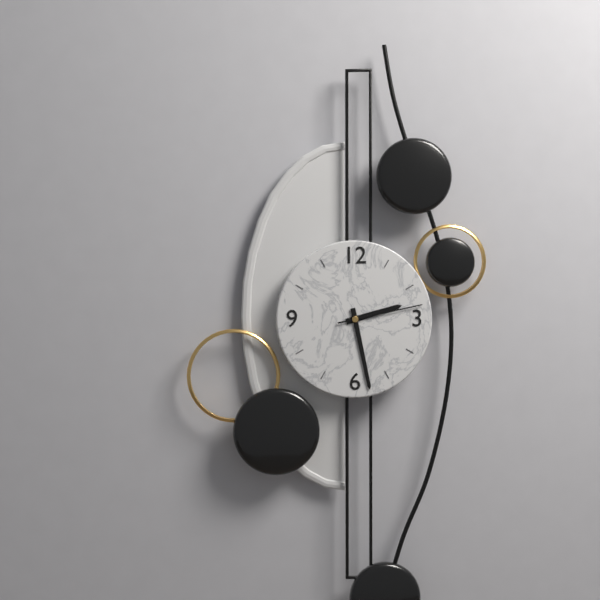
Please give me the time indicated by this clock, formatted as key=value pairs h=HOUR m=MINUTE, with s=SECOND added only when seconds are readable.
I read h=2 m=28 s=13
